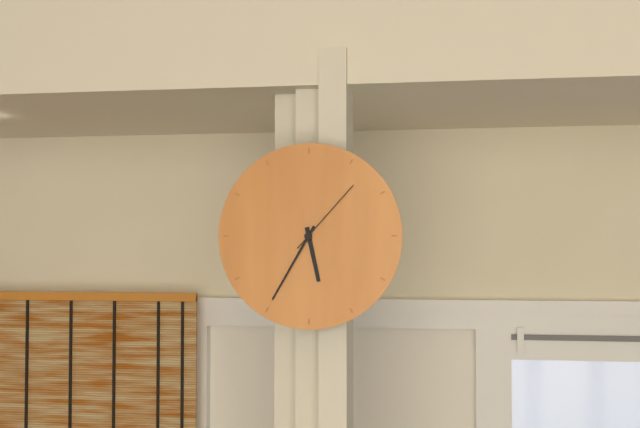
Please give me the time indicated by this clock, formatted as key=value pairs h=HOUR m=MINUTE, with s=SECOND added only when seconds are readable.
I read h=5 m=35 s=7
